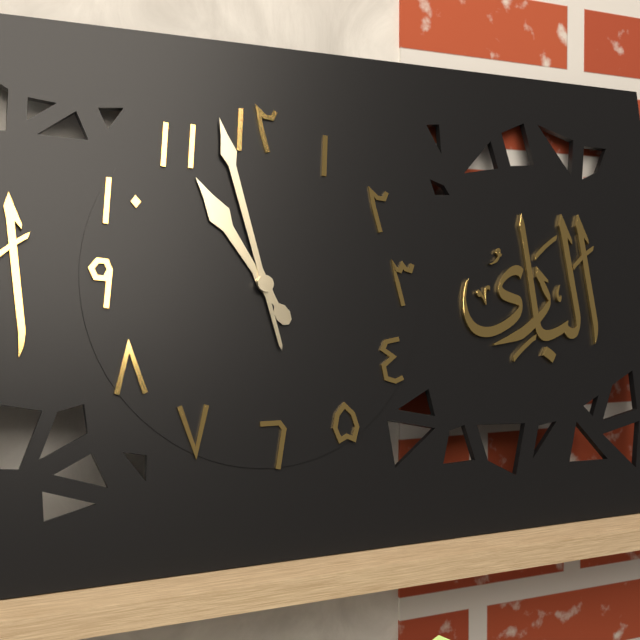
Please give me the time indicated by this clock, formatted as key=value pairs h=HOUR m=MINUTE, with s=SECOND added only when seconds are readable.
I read h=10 m=58
